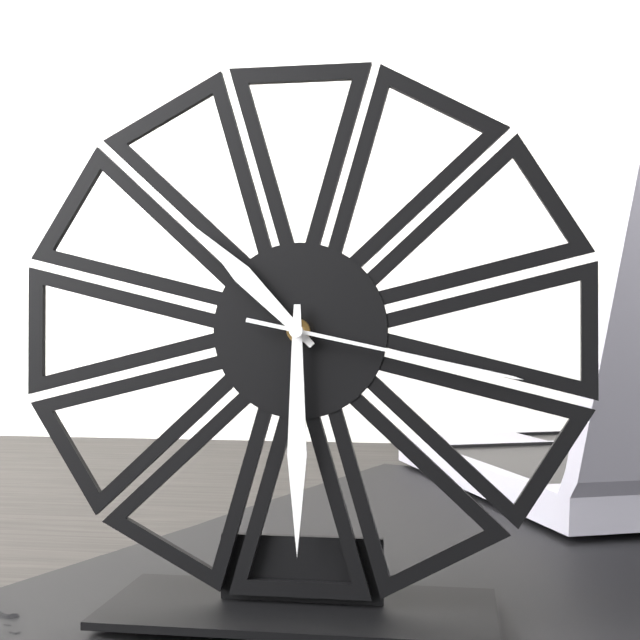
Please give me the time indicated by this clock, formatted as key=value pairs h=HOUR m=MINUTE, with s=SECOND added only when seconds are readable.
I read h=10 m=30 s=17
